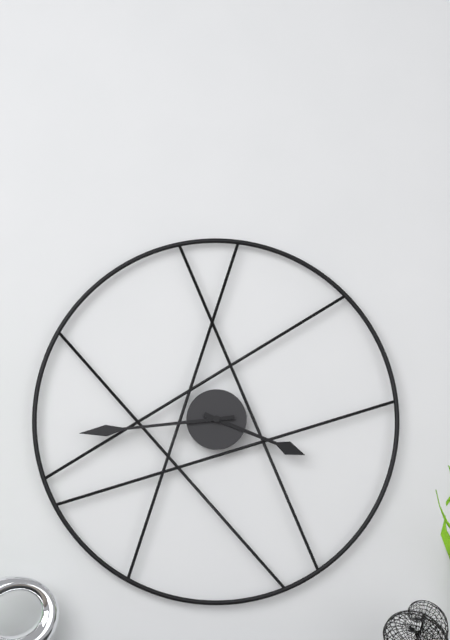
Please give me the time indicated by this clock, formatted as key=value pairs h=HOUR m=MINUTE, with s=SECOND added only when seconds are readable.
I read h=3 m=44
